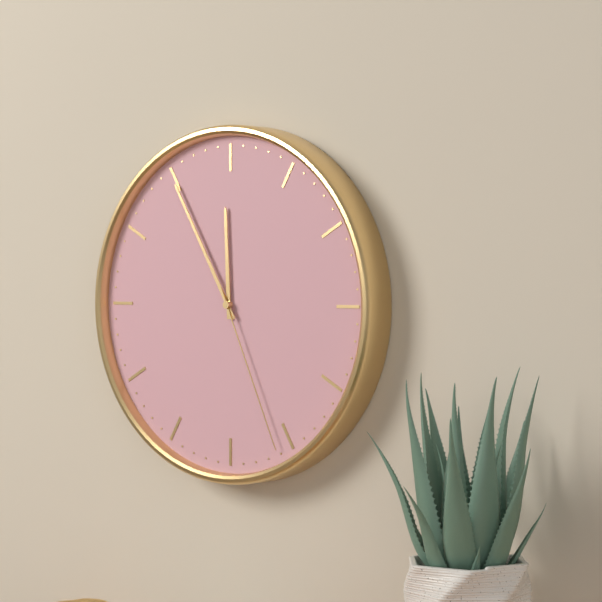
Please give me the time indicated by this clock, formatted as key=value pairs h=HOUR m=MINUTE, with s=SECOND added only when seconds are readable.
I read h=11 m=55 s=26
